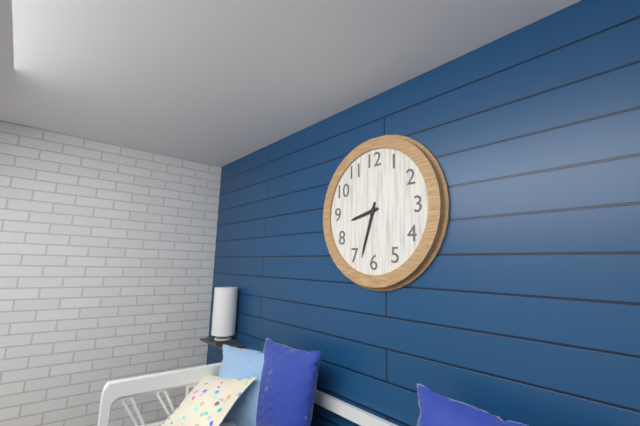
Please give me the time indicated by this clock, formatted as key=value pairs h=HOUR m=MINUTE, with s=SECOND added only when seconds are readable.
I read h=8 m=33
